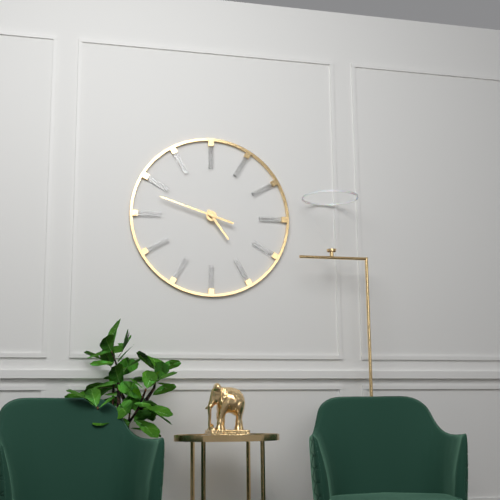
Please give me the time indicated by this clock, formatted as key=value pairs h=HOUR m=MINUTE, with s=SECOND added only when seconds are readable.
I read h=4 m=48
